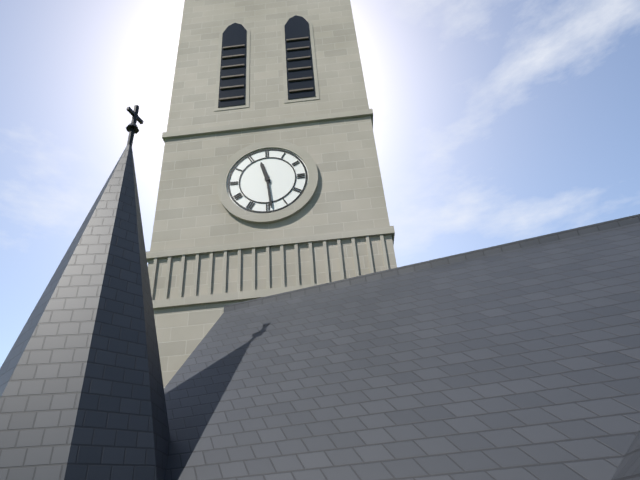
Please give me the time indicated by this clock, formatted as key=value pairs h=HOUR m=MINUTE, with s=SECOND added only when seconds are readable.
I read h=11 m=29
